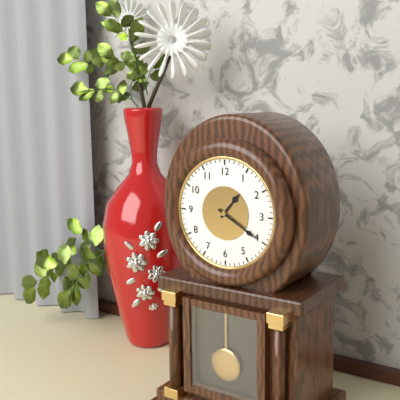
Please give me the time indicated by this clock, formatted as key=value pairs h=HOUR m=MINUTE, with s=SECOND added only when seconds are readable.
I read h=1 m=20
